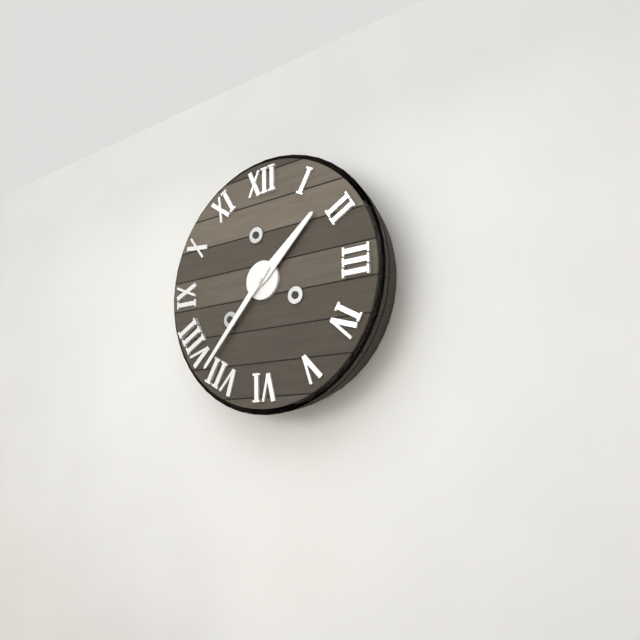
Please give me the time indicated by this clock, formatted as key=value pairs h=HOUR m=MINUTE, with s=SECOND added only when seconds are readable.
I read h=1 m=37
